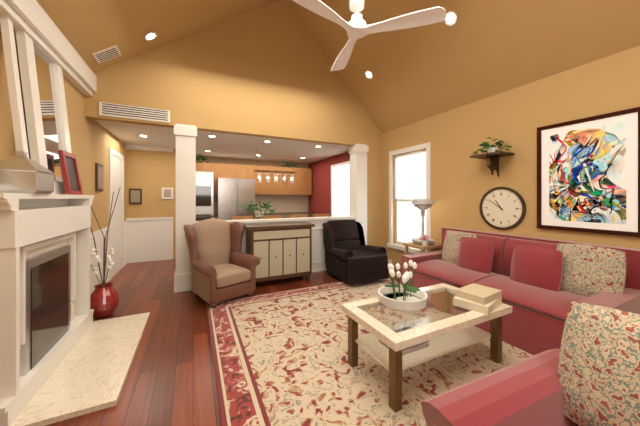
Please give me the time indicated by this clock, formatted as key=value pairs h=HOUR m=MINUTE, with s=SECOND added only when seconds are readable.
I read h=10 m=51
